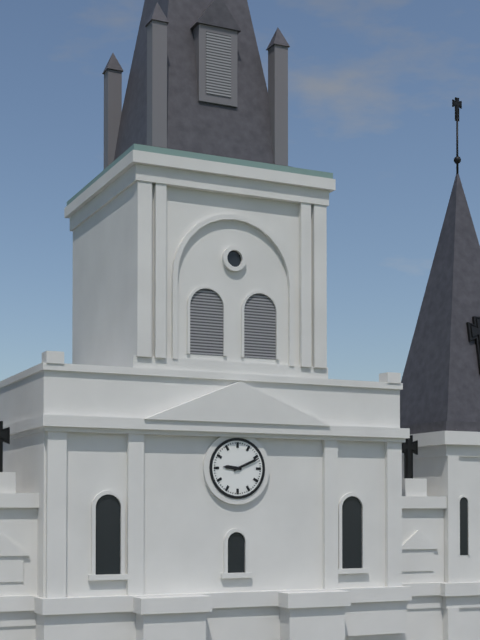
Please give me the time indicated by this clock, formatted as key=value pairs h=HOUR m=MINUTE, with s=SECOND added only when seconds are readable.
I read h=9 m=11
